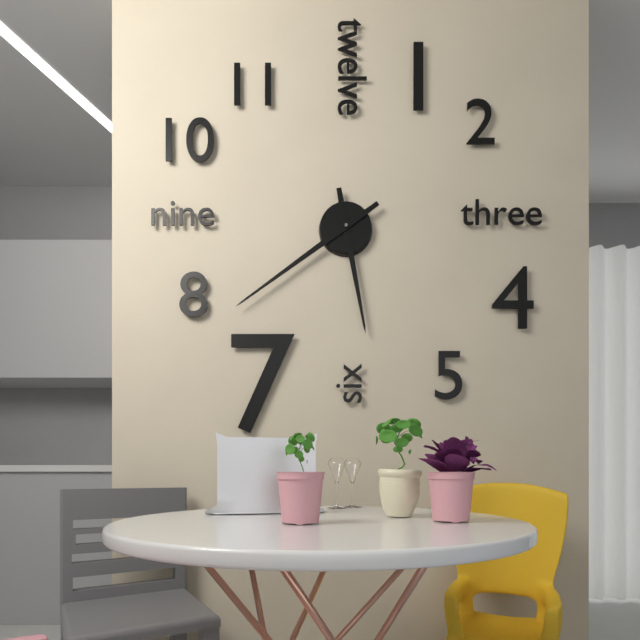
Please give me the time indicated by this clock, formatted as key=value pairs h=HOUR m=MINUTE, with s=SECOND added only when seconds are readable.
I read h=5 m=39
